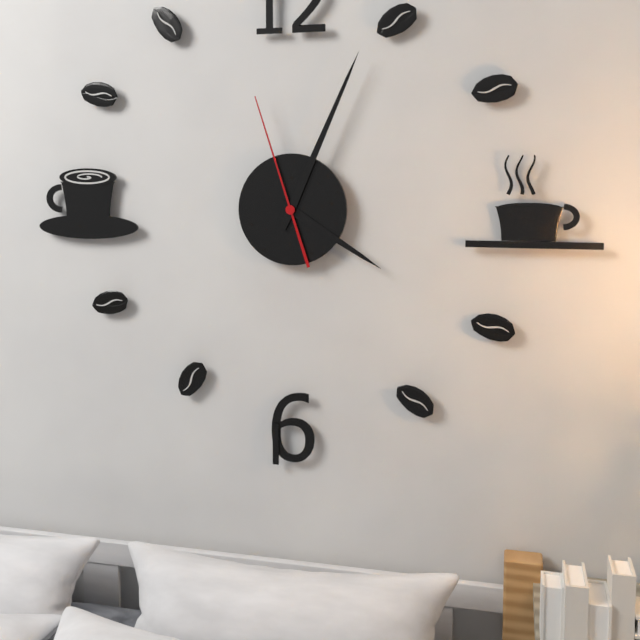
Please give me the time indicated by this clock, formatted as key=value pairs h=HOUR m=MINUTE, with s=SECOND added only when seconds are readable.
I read h=4 m=4 s=57
